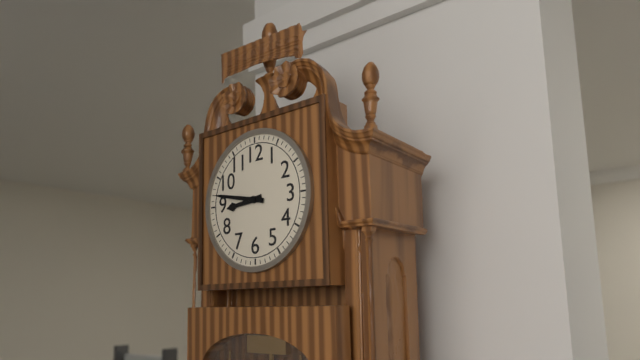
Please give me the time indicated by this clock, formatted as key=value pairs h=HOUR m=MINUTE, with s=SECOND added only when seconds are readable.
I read h=8 m=47
